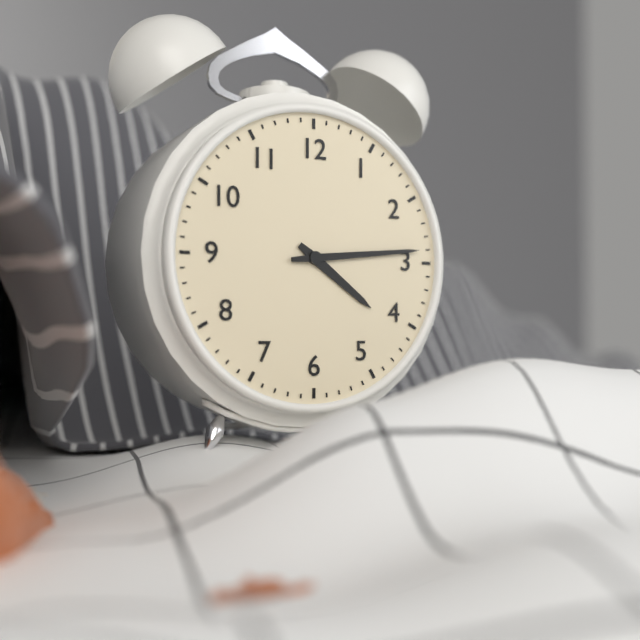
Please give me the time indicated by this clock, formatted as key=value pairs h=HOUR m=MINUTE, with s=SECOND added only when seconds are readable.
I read h=4 m=14
